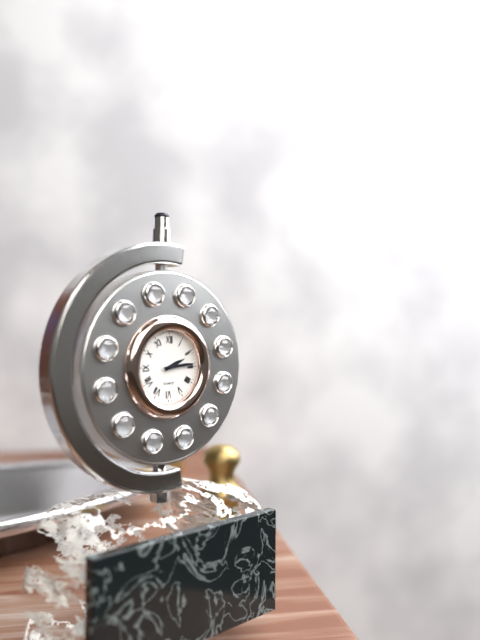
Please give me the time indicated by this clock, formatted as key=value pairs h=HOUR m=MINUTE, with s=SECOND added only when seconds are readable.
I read h=2 m=14
